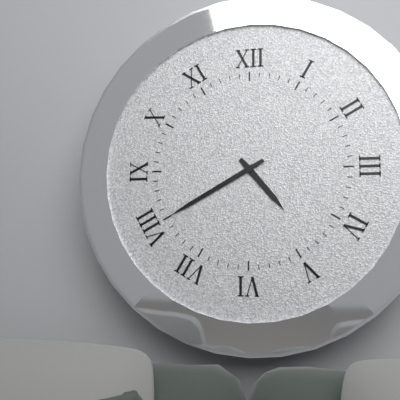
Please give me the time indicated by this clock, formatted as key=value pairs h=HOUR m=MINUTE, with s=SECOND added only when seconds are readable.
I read h=4 m=40
